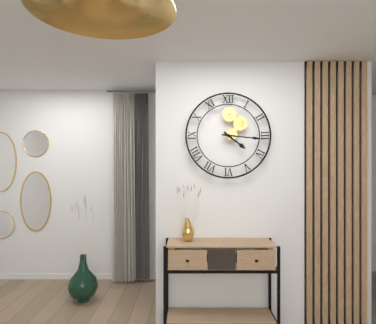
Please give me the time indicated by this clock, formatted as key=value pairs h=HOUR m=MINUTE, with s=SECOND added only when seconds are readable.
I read h=4 m=16
